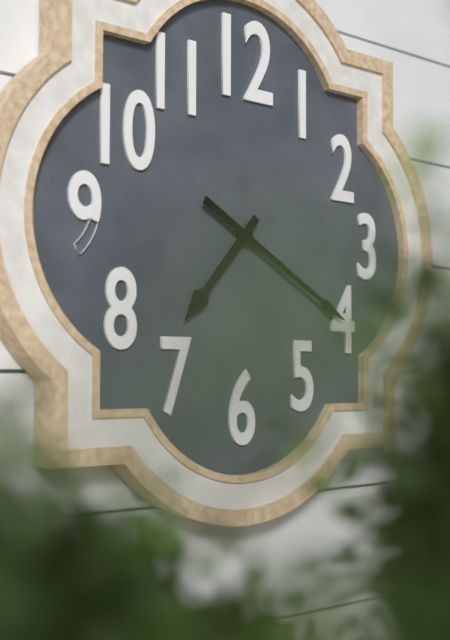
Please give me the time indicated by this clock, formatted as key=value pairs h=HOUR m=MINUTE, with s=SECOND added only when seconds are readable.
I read h=7 m=20
